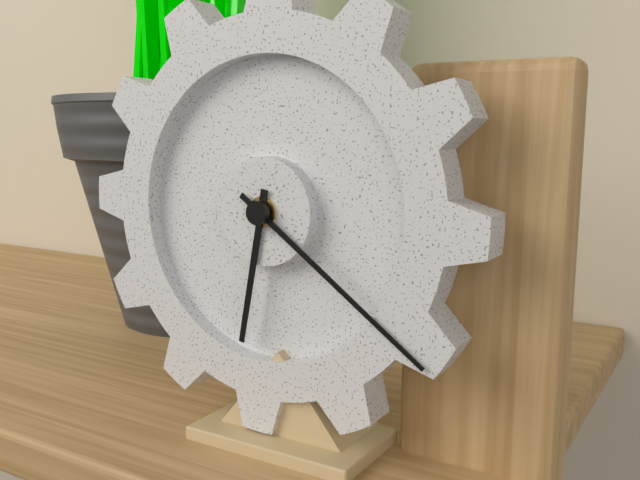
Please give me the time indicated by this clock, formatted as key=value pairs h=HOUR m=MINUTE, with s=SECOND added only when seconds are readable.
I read h=6 m=21
